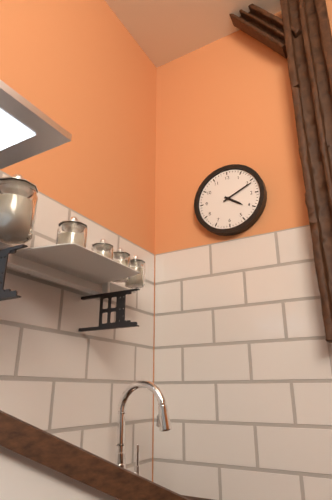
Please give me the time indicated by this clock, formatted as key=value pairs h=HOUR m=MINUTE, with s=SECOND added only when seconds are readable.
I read h=4 m=11
